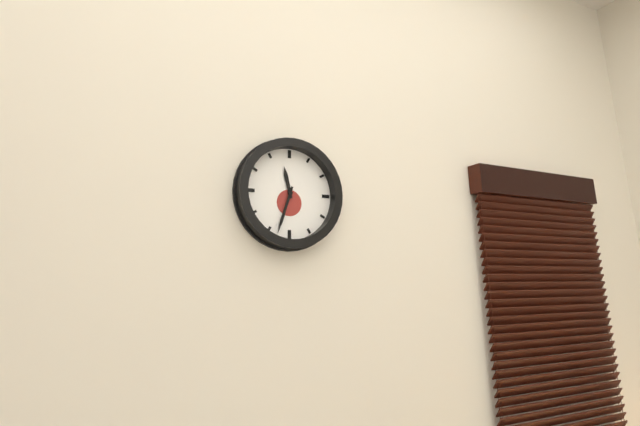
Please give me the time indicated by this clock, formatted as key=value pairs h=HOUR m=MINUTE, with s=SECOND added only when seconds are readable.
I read h=11 m=33
